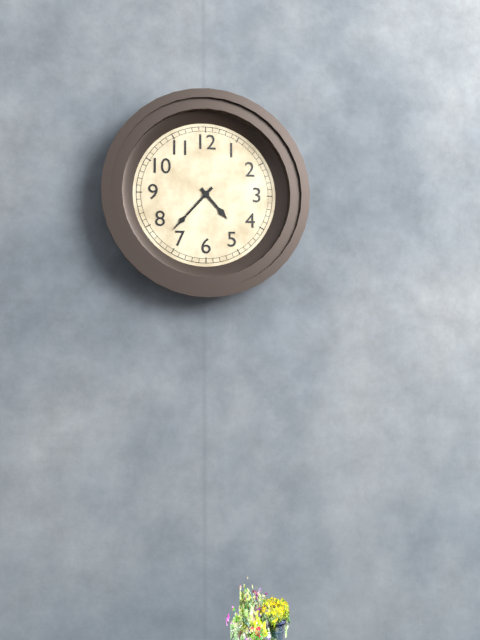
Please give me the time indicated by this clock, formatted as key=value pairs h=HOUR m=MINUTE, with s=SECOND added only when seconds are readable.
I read h=4 m=37
